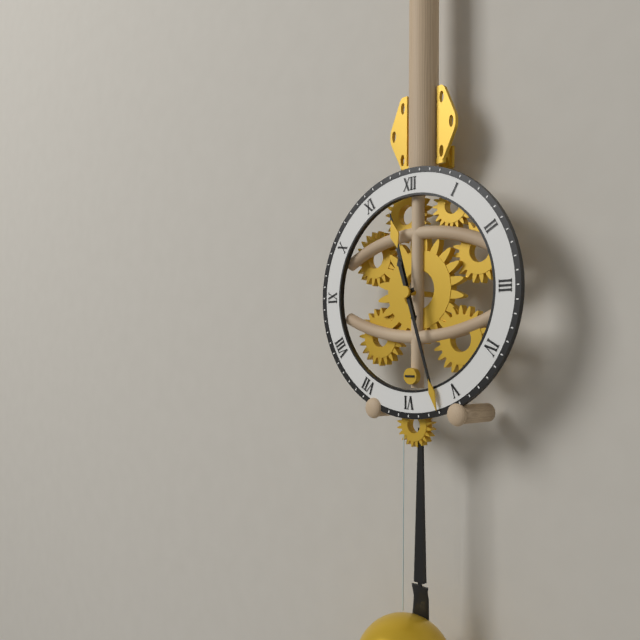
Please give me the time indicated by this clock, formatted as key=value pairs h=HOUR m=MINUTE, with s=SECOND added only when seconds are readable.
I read h=11 m=27
